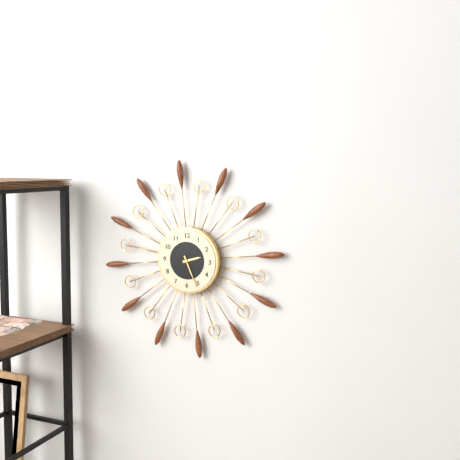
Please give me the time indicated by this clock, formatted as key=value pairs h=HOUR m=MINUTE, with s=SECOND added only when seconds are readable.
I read h=2 m=26
